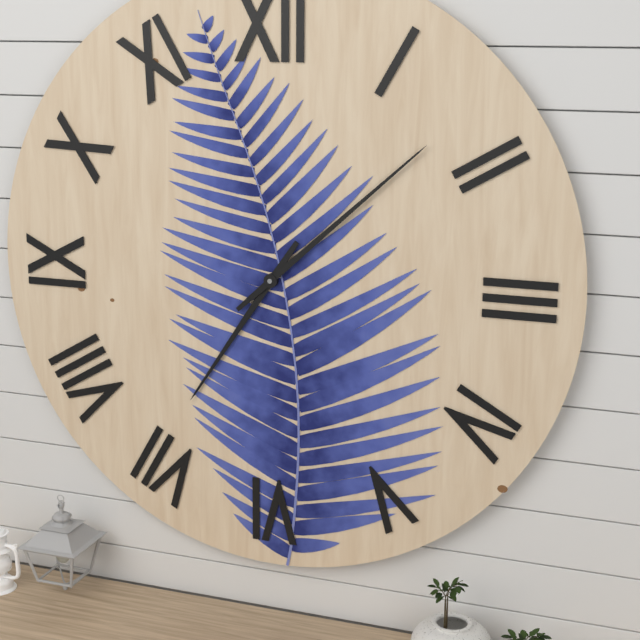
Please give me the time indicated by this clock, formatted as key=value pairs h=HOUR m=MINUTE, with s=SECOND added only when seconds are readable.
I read h=7 m=8
